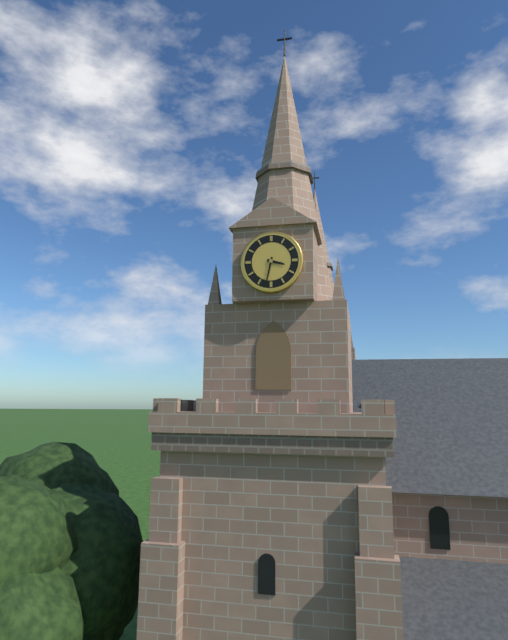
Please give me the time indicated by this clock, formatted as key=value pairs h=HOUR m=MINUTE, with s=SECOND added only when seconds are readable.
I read h=3 m=32
